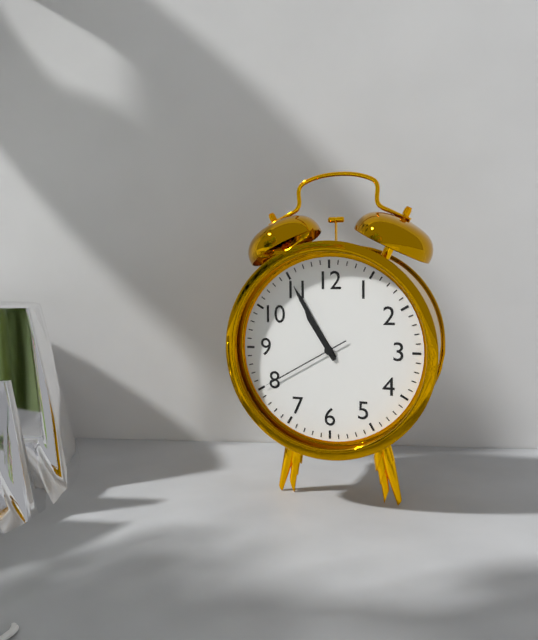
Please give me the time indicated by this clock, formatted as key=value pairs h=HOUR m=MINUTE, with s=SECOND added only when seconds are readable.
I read h=10 m=55 s=40
